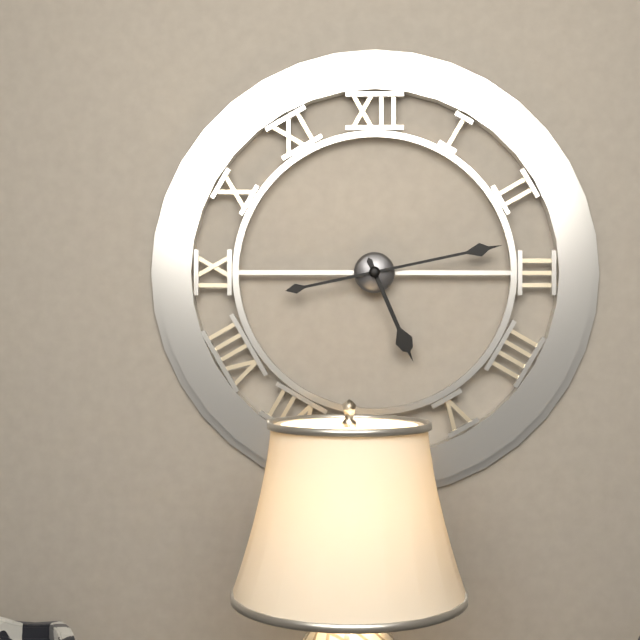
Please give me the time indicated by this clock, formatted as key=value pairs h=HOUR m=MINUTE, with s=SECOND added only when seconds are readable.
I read h=5 m=13
